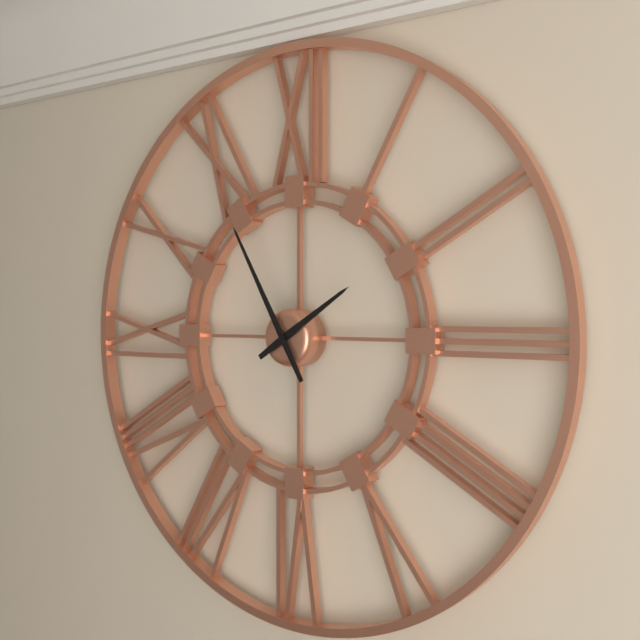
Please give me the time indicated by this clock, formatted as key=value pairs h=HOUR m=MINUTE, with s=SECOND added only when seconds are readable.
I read h=1 m=55
